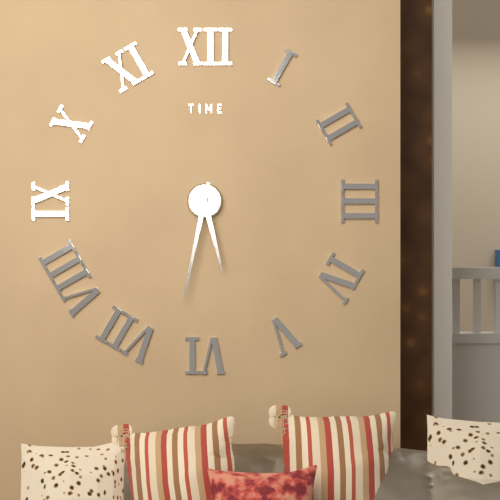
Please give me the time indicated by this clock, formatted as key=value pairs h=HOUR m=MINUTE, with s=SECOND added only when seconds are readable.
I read h=5 m=32
